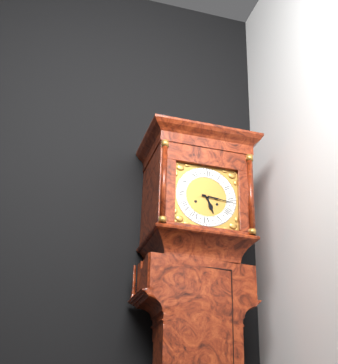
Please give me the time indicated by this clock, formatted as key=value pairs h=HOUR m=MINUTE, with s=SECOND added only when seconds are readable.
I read h=5 m=16
